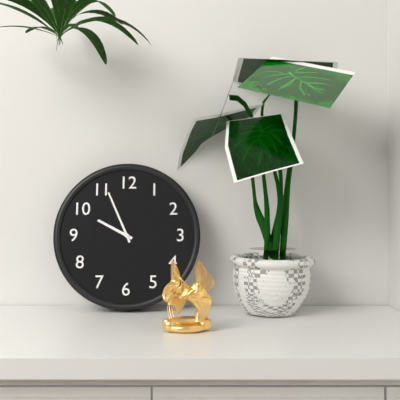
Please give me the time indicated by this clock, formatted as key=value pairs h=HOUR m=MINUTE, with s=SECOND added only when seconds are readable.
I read h=9 m=56
